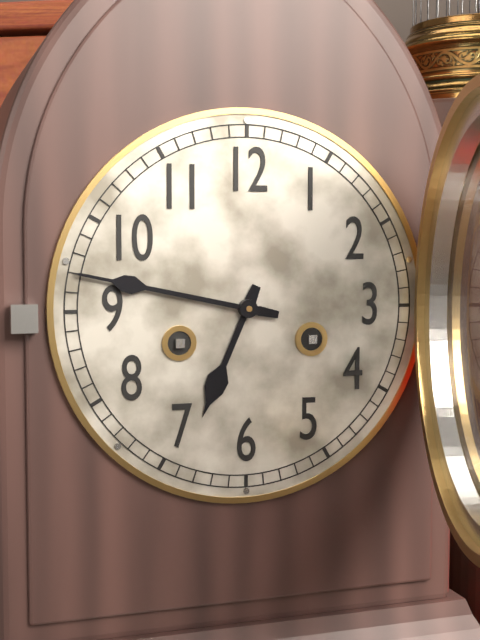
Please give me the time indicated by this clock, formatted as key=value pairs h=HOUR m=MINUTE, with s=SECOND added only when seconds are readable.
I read h=6 m=47
